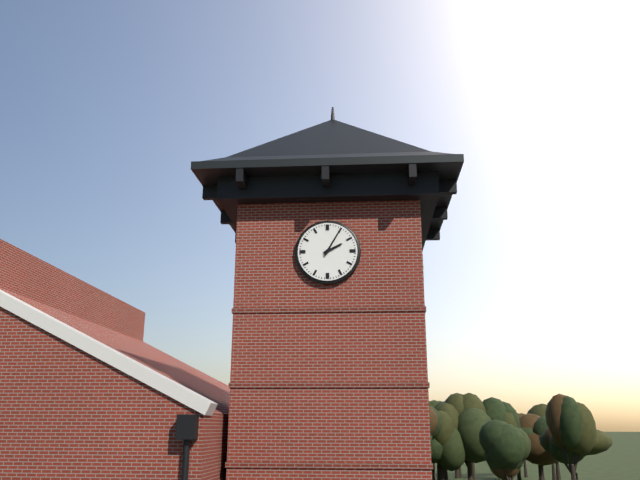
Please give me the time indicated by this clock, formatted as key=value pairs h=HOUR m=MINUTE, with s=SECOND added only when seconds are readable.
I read h=2 m=5
